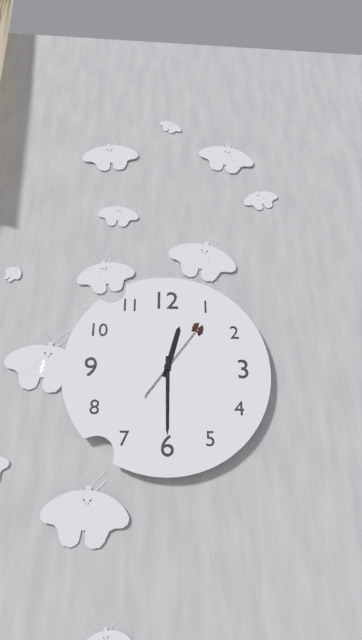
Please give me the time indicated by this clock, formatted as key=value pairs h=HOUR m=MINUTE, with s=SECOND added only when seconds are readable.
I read h=12 m=30 s=6
